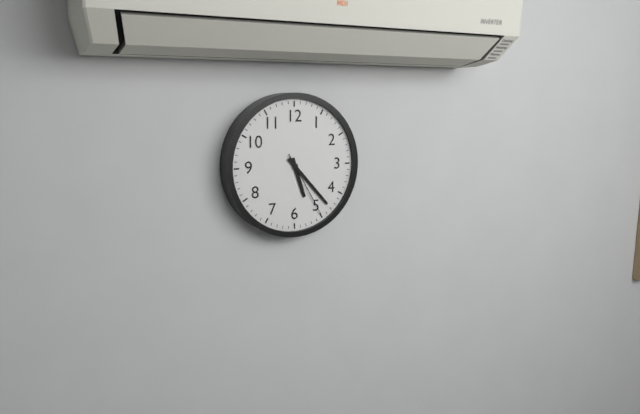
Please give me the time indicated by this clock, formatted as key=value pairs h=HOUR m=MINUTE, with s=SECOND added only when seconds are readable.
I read h=5 m=23 s=25
